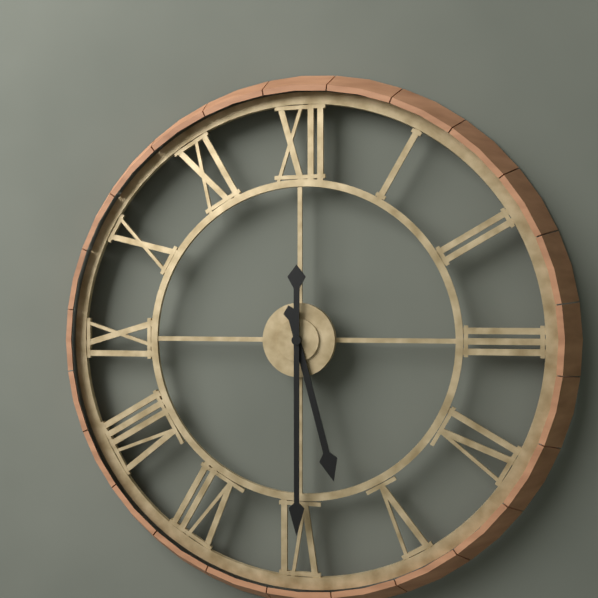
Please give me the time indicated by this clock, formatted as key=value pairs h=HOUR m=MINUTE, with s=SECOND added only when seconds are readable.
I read h=5 m=30
